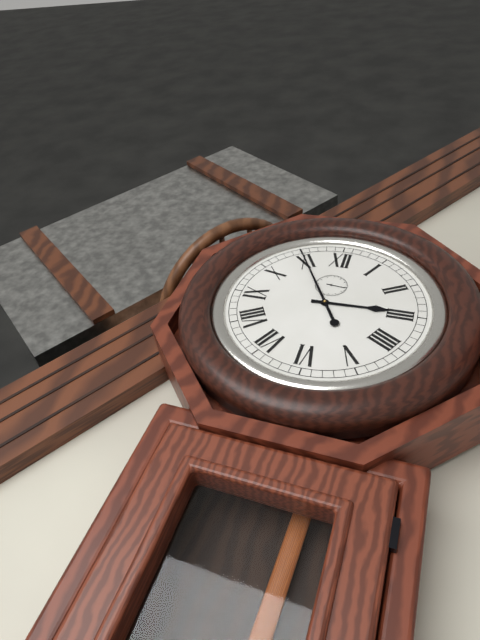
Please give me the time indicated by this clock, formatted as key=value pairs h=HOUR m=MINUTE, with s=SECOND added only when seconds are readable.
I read h=2 m=55
